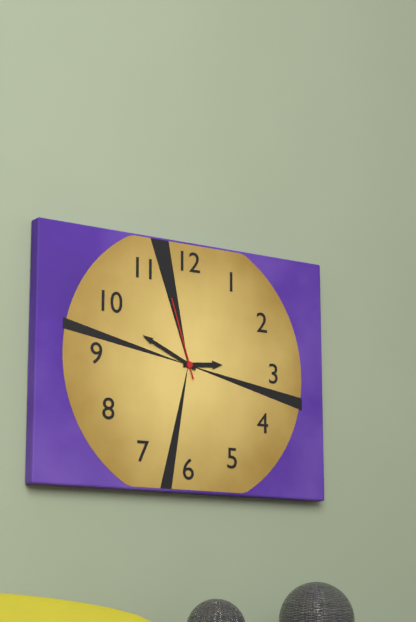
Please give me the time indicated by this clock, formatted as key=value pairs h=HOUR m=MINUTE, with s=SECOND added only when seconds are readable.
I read h=2 m=49 s=57
